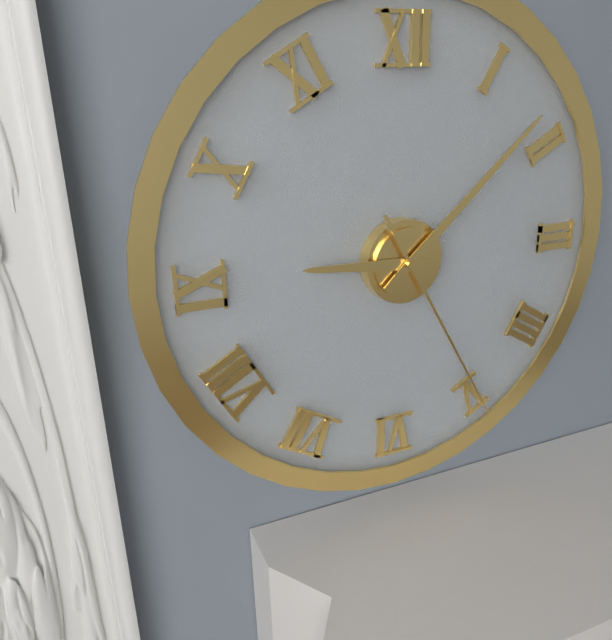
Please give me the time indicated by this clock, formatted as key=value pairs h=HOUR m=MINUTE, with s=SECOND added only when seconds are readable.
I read h=9 m=8 s=25
